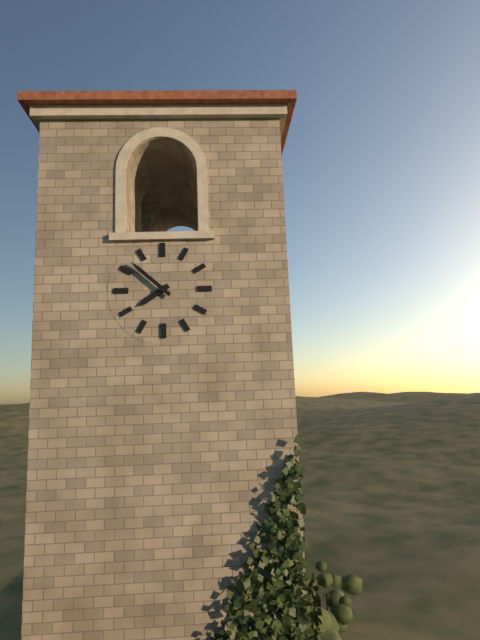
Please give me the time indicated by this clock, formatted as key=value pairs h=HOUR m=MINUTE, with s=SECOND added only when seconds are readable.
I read h=7 m=52
